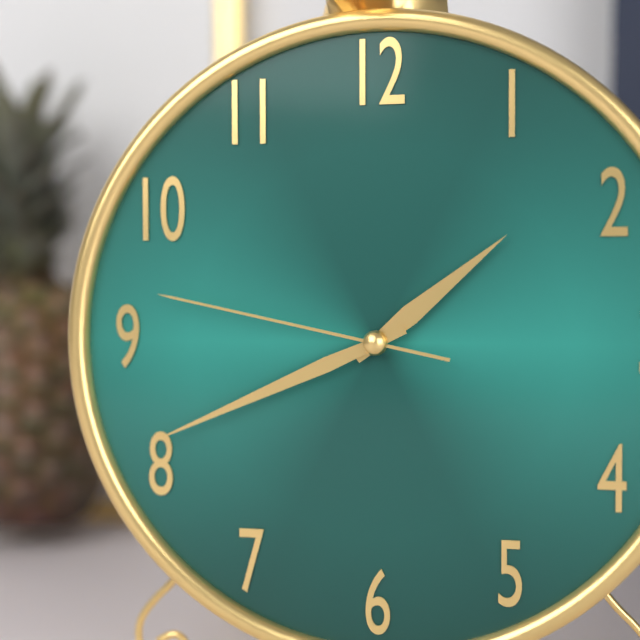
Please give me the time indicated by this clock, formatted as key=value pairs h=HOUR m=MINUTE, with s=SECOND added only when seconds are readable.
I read h=1 m=41 s=47
